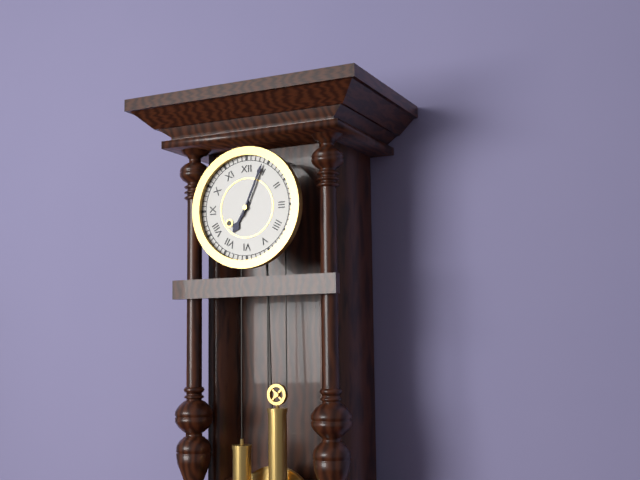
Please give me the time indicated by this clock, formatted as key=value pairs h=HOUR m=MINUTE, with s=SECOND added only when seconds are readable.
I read h=7 m=4
